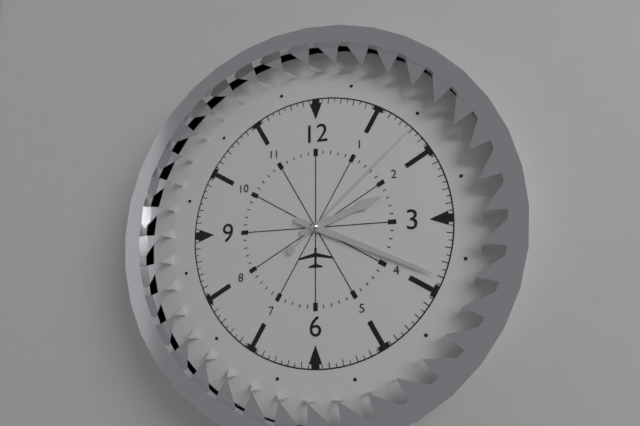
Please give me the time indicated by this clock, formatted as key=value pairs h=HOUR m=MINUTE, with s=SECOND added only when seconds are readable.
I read h=2 m=19 s=8
